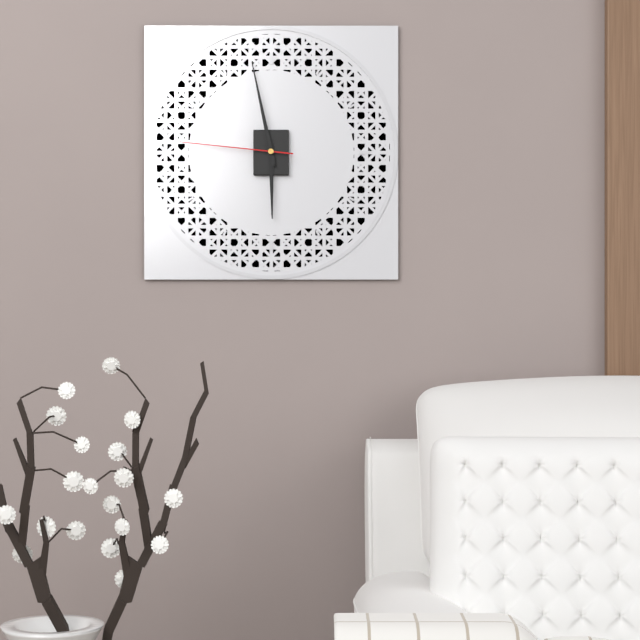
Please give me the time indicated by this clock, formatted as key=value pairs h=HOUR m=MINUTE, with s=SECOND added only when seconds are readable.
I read h=5 m=58 s=46
